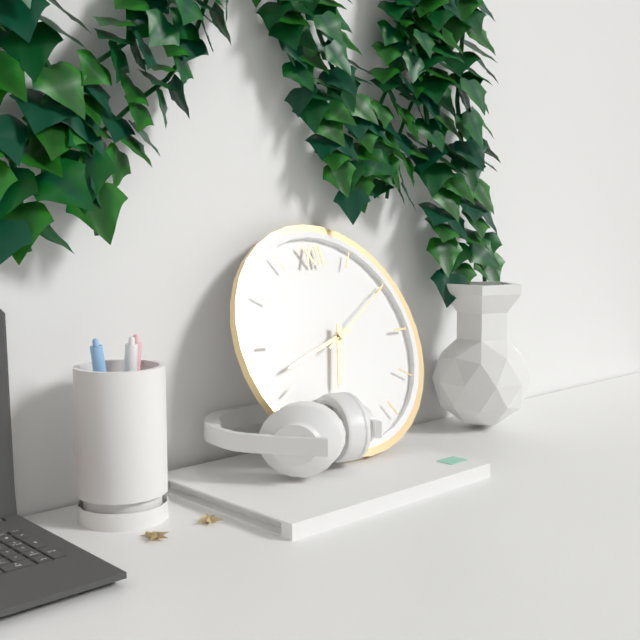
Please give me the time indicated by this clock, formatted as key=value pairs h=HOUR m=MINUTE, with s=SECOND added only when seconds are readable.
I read h=6 m=42 s=10
